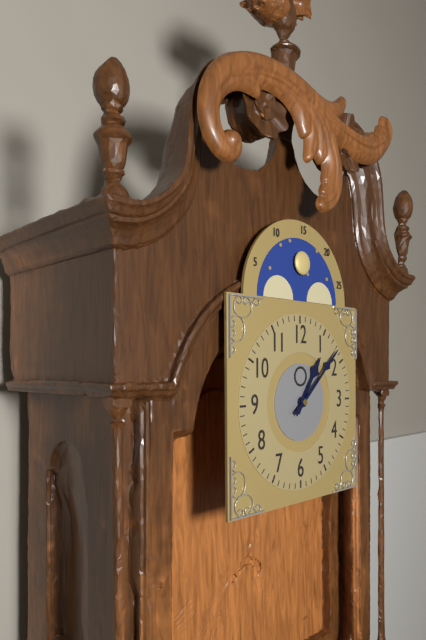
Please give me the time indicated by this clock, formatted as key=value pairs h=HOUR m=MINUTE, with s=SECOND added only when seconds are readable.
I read h=1 m=8
